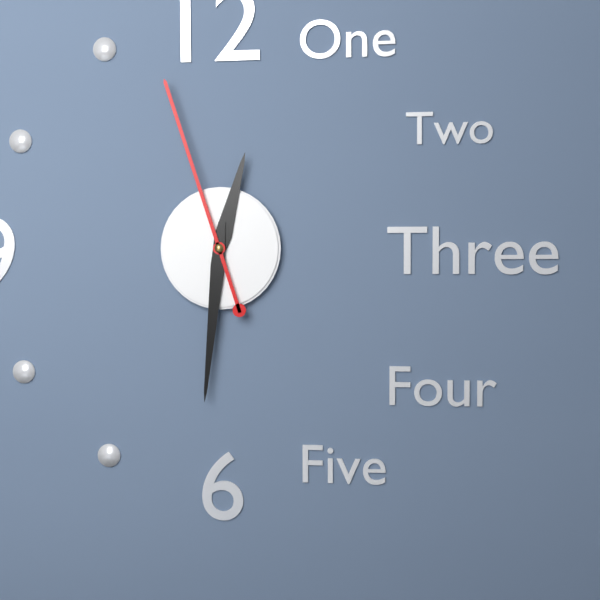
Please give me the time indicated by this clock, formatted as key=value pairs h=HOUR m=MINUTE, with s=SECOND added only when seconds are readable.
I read h=12 m=31 s=57
